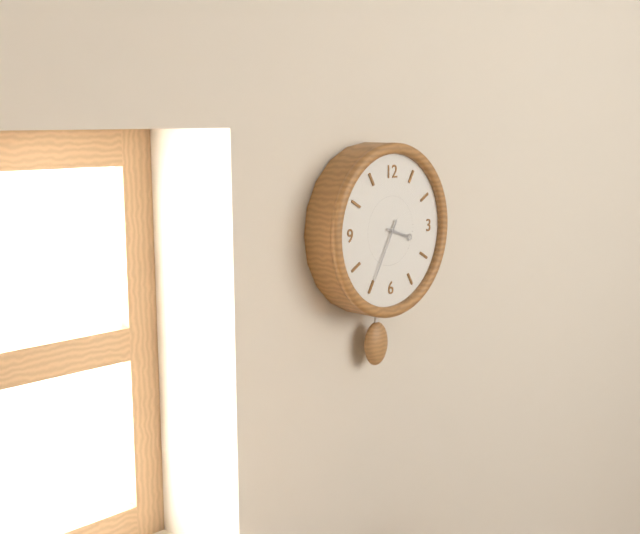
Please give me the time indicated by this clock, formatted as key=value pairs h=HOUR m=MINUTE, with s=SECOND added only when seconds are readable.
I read h=3 m=35
